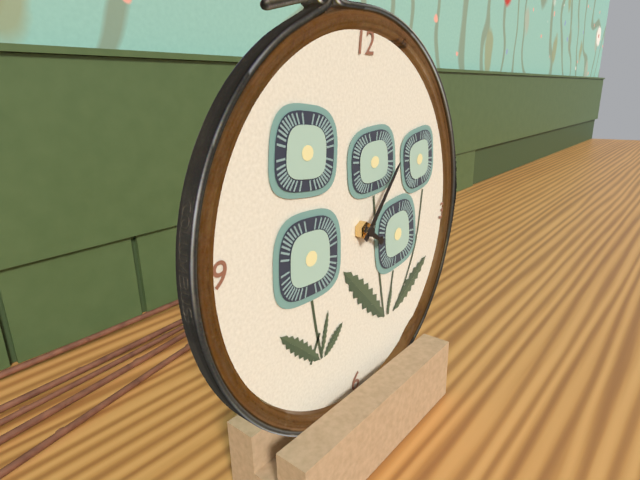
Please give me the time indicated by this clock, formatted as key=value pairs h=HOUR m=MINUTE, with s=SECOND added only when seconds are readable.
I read h=4 m=7
